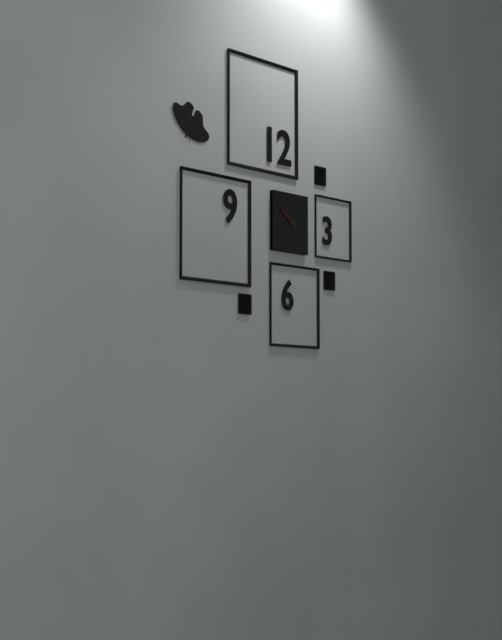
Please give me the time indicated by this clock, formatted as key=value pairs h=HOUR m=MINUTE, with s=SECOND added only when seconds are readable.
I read h=2 m=51
